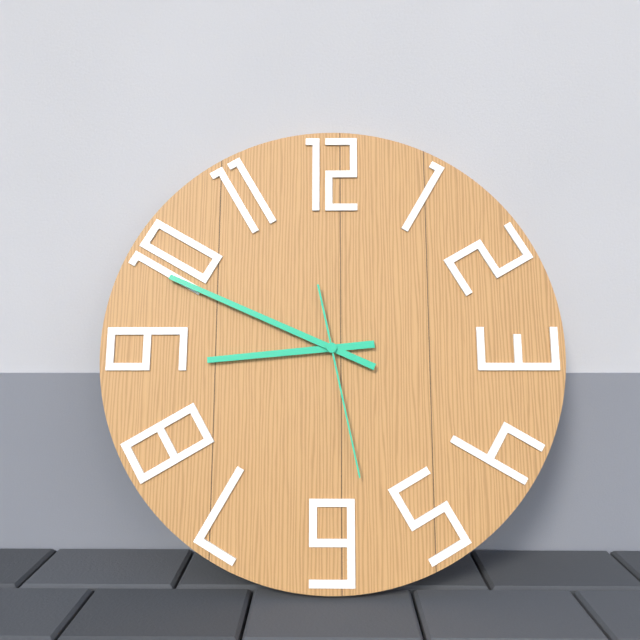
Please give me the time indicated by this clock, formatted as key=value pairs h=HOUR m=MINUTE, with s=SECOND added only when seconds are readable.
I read h=8 m=49 s=28
